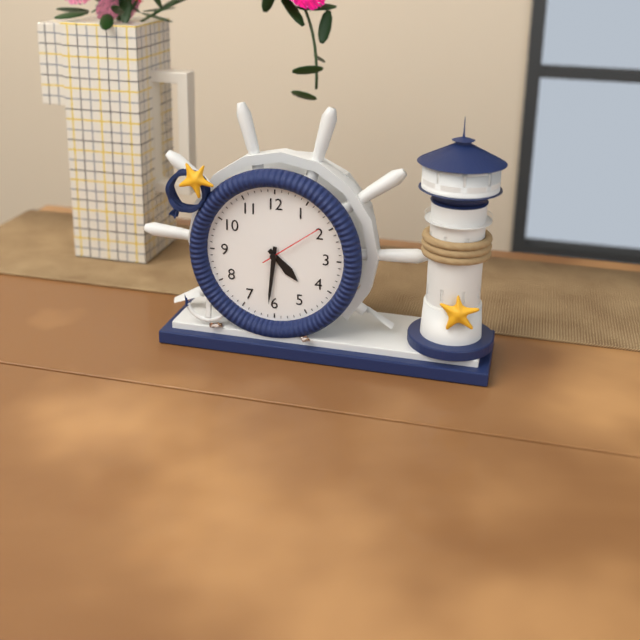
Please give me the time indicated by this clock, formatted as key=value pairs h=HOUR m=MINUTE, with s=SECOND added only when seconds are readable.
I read h=4 m=31 s=9
